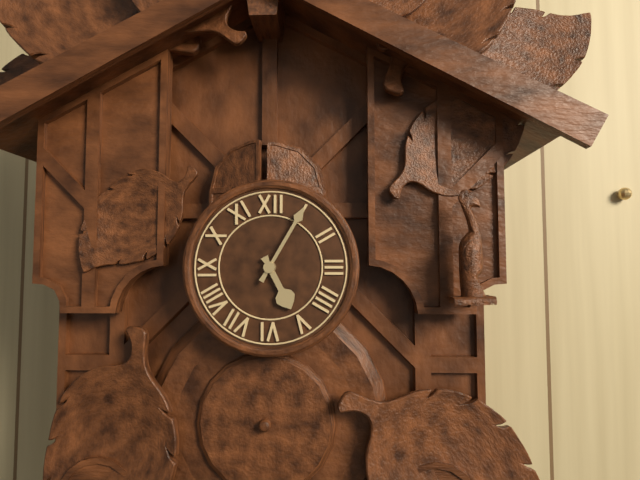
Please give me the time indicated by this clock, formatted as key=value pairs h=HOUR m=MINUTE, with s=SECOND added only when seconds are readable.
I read h=5 m=5
